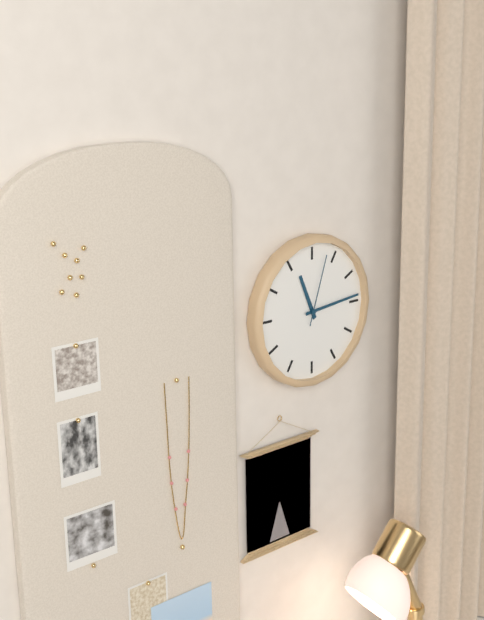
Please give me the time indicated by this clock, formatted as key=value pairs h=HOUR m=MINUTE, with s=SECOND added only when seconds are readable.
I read h=11 m=14 s=3
